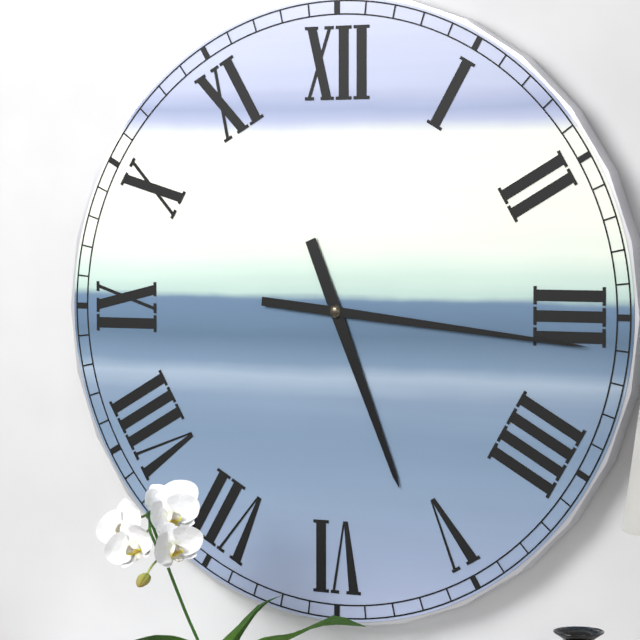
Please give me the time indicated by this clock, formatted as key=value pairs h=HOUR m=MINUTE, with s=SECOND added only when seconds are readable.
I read h=5 m=16
